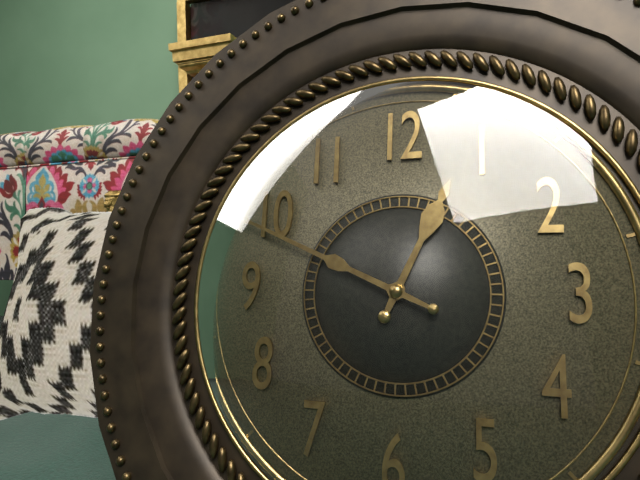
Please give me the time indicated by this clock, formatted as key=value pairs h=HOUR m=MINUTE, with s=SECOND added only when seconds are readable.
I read h=12 m=49
